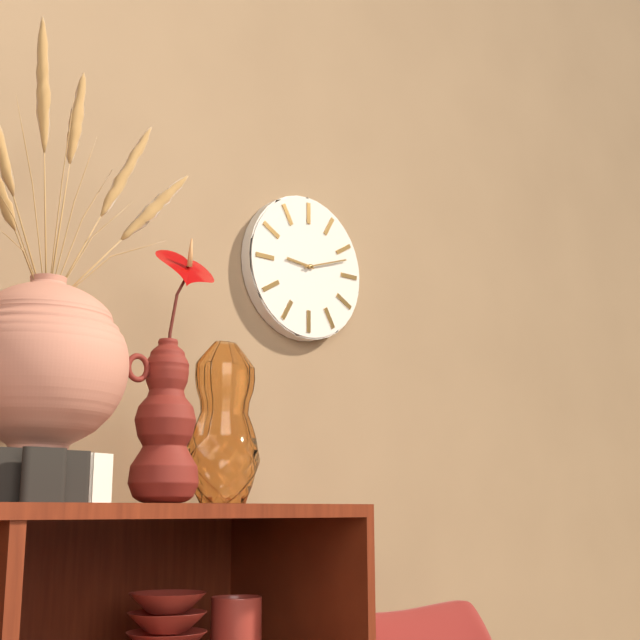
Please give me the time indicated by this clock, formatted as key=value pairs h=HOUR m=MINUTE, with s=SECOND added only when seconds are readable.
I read h=9 m=12
